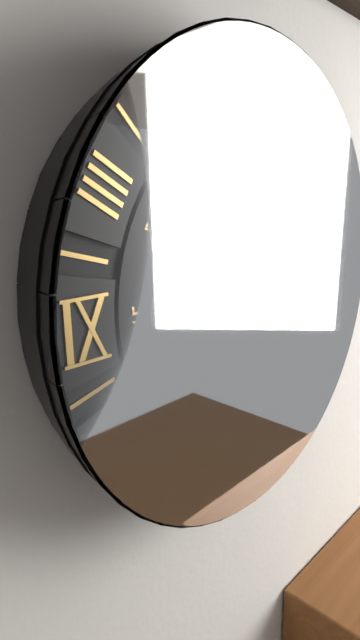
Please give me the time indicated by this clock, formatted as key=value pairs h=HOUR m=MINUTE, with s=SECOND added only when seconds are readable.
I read h=1 m=34
